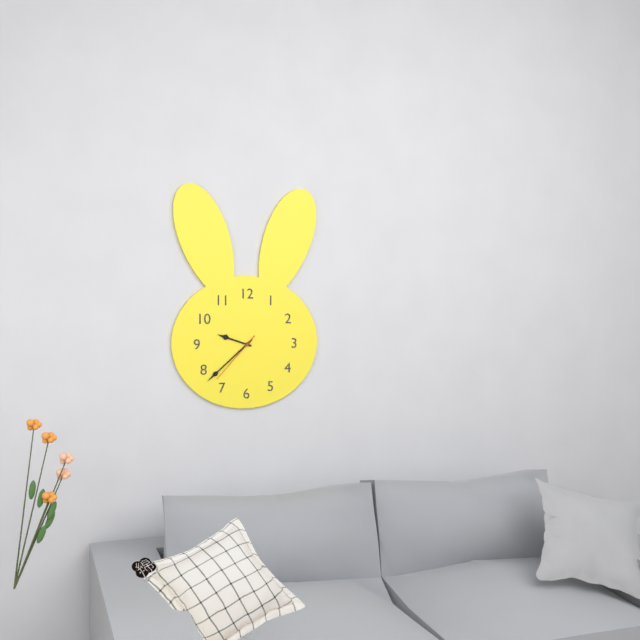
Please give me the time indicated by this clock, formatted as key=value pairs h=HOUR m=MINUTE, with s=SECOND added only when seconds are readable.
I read h=9 m=38 s=37
